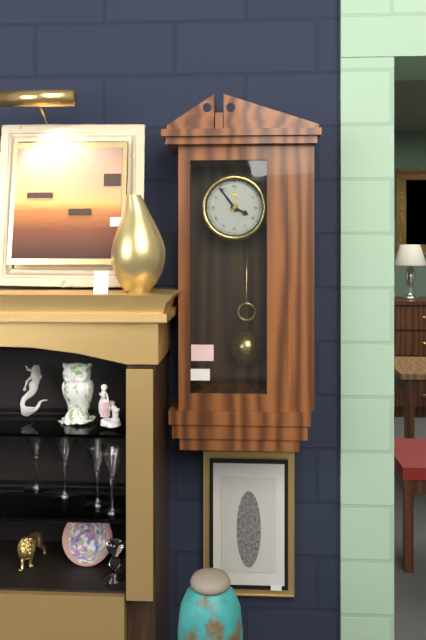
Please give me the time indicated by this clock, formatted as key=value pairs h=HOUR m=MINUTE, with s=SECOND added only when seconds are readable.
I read h=3 m=54
